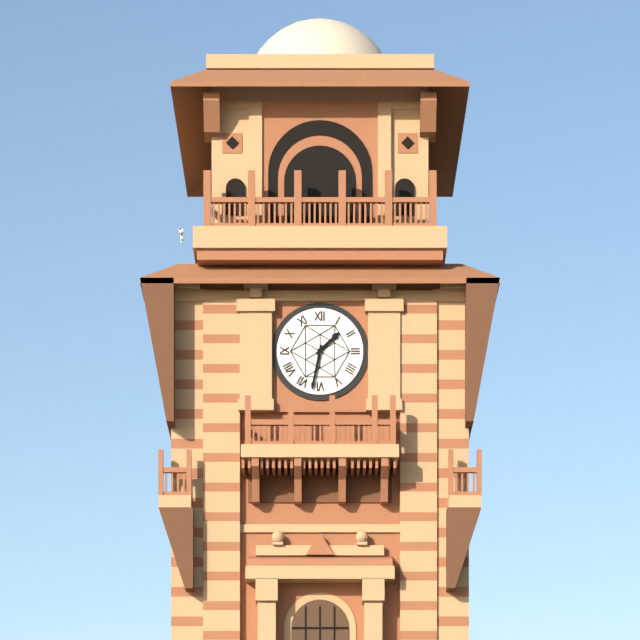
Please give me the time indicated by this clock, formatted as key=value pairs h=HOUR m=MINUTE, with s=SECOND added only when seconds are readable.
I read h=1 m=32
